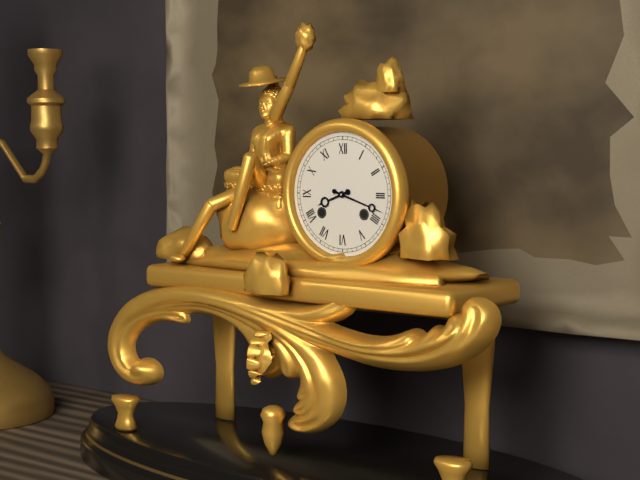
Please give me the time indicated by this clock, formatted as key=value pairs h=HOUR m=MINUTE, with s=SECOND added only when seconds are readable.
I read h=8 m=18
